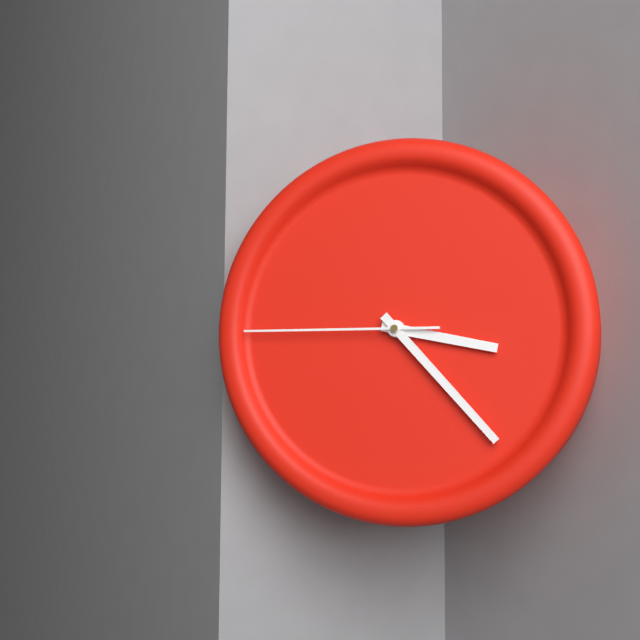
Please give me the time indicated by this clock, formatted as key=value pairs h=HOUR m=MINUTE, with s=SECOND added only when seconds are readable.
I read h=3 m=23 s=45
